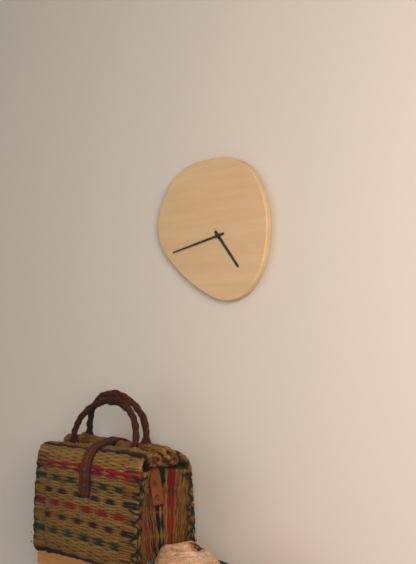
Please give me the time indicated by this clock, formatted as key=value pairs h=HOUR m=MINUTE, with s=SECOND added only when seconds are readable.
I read h=4 m=43
